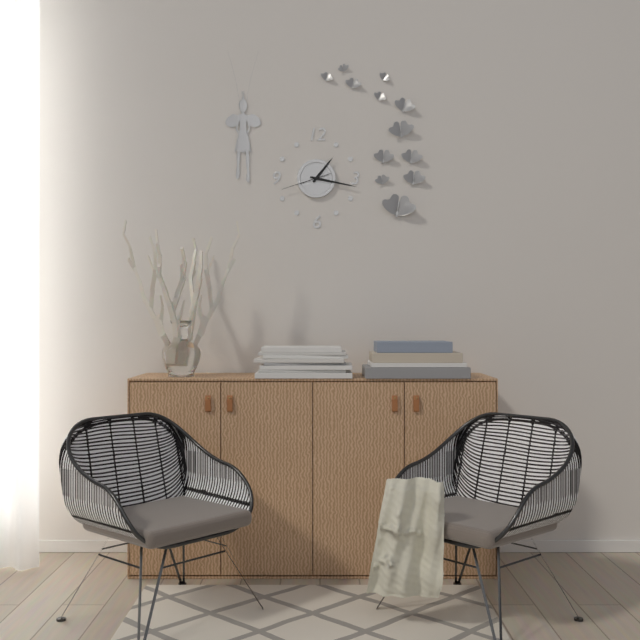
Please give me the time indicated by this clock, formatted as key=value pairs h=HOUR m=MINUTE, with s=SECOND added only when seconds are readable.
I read h=1 m=17
